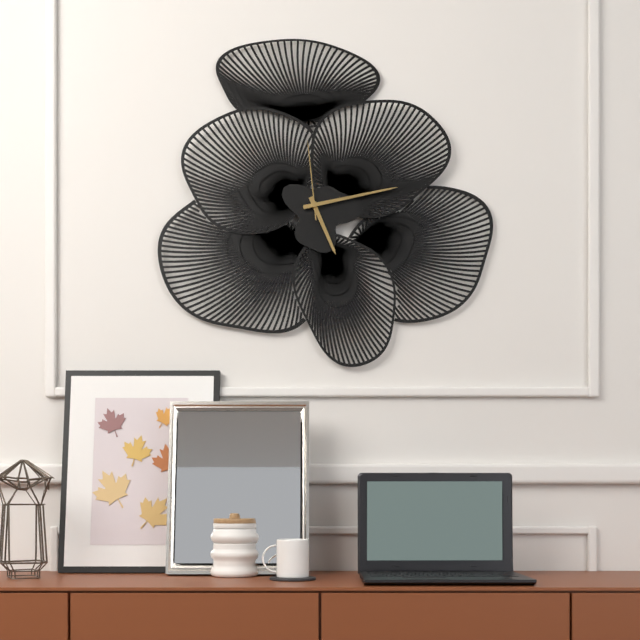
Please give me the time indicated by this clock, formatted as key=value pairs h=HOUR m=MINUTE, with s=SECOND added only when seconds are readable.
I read h=5 m=13 s=59
